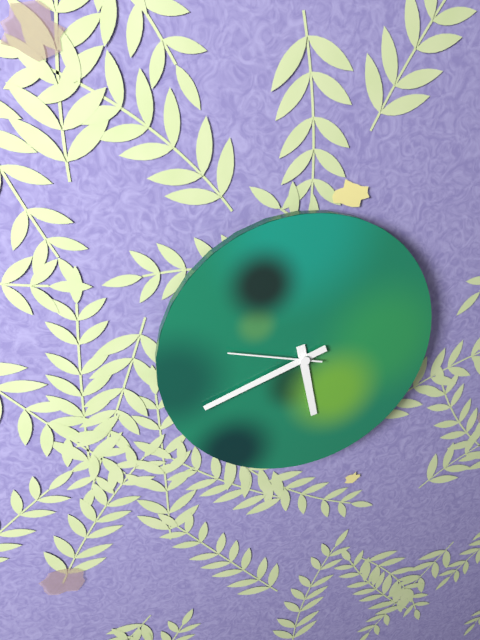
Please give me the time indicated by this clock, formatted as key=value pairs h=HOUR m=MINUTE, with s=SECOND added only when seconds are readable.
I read h=5 m=42 s=48
